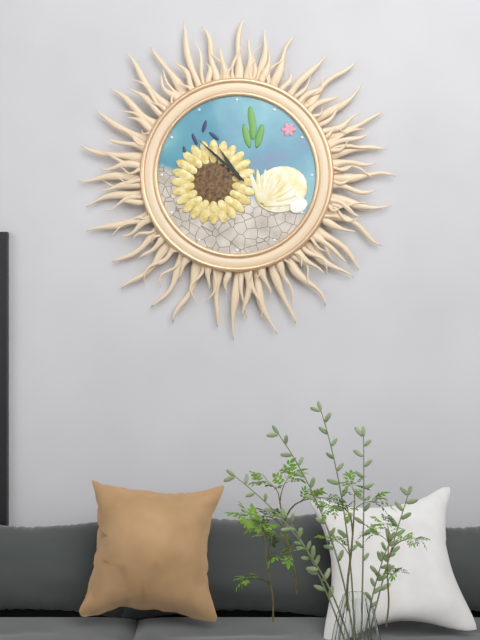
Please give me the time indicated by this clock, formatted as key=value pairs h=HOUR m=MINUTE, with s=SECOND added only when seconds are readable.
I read h=10 m=52
